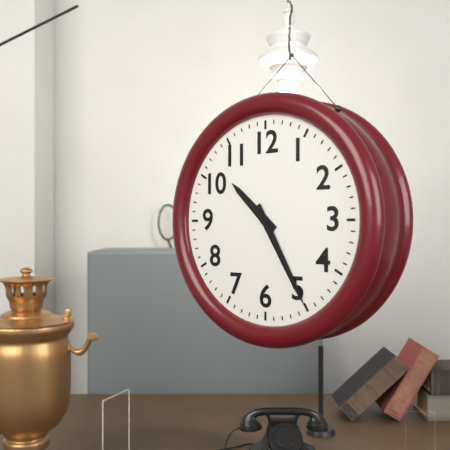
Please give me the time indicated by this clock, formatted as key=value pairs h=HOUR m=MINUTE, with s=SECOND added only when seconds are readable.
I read h=10 m=25
